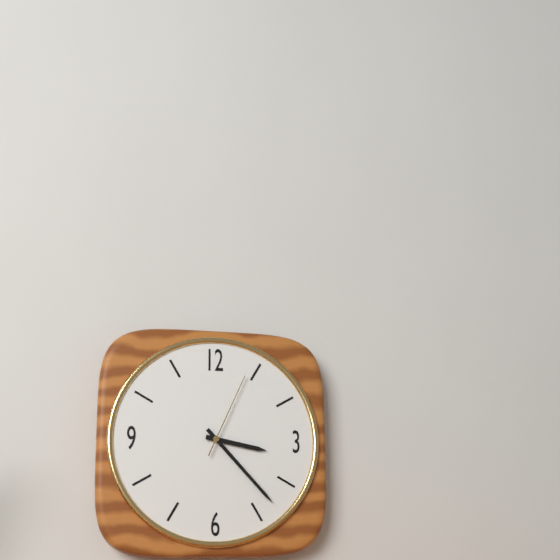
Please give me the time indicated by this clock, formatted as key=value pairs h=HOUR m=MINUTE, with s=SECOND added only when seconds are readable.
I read h=3 m=23 s=4
